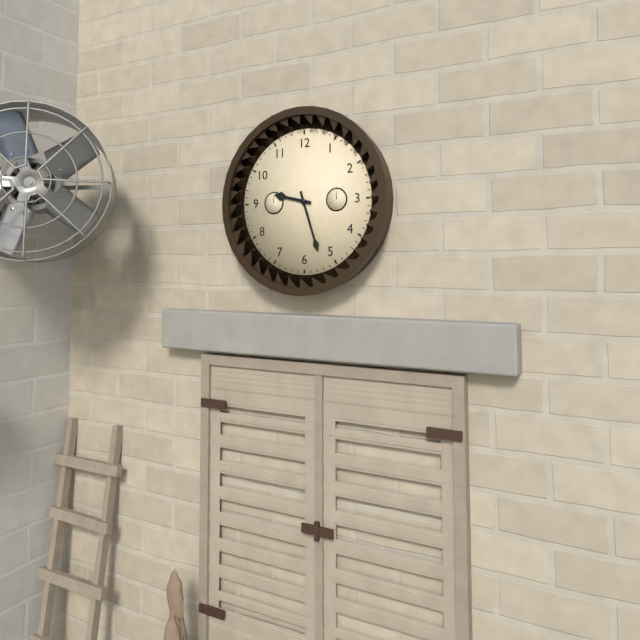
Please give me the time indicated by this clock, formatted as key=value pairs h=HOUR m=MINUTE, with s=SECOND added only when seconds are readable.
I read h=9 m=27
